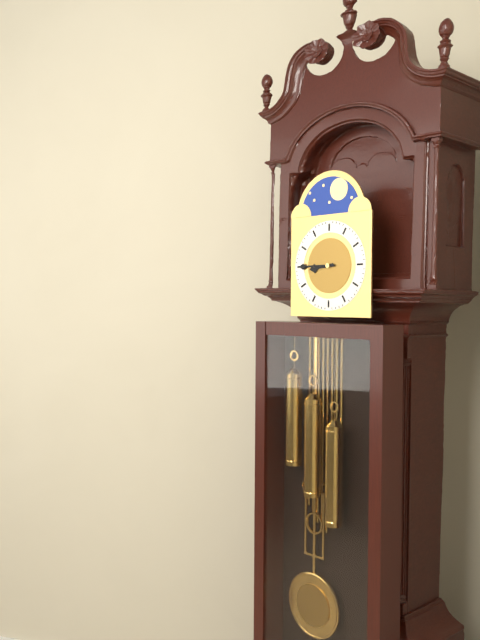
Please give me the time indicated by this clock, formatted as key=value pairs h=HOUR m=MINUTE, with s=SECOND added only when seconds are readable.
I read h=8 m=45
